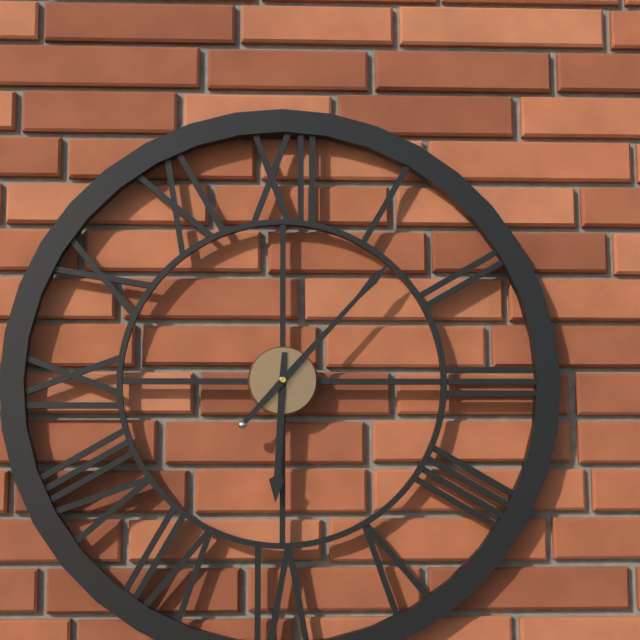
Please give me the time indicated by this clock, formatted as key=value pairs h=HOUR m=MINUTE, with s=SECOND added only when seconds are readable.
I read h=6 m=7
